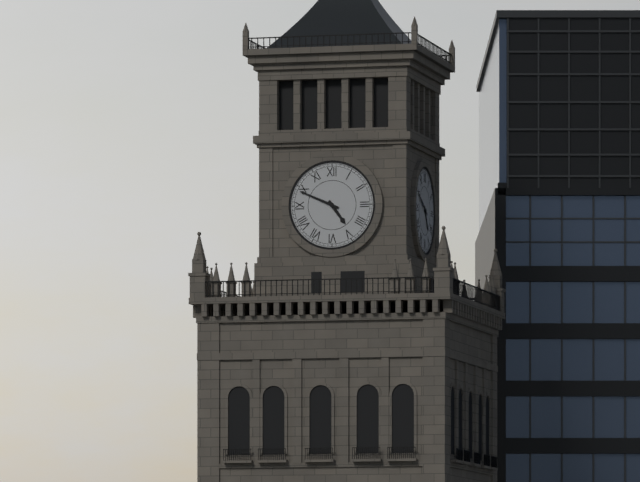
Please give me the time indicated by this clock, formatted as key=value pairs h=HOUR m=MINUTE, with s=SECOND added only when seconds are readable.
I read h=4 m=49
